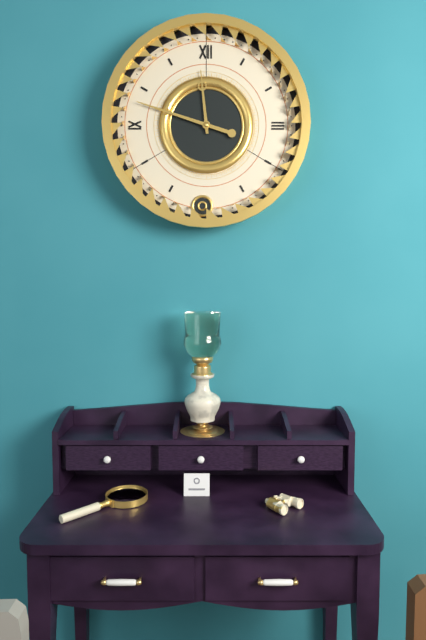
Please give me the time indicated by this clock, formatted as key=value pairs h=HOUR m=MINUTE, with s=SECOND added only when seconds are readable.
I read h=11 m=48
